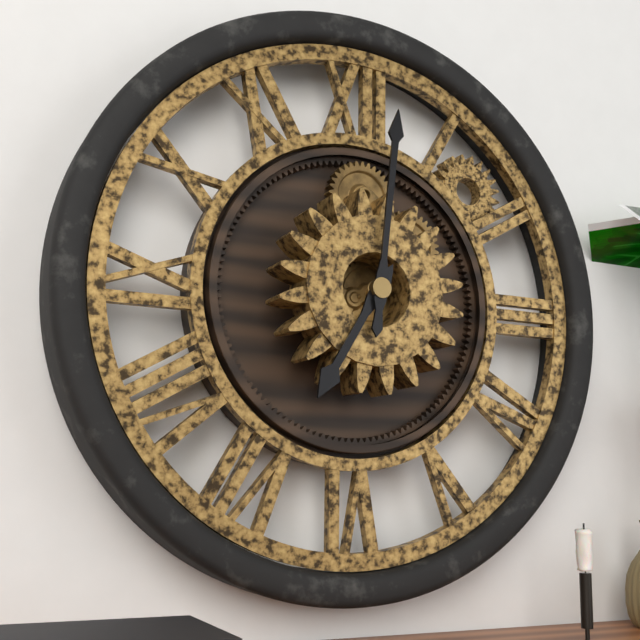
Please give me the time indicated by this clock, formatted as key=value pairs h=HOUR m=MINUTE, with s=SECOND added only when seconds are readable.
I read h=7 m=1
